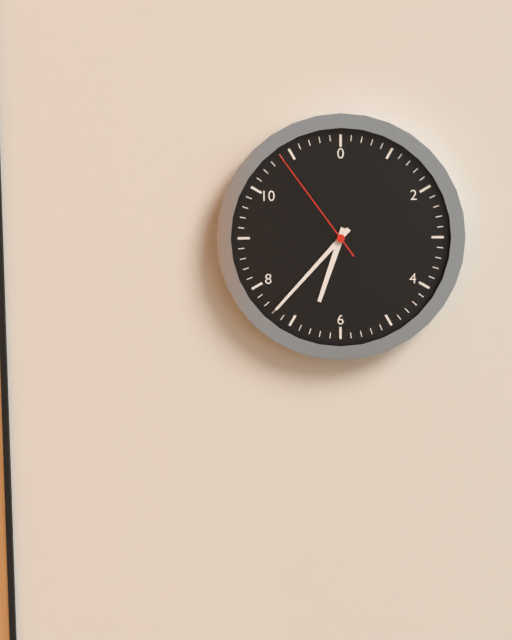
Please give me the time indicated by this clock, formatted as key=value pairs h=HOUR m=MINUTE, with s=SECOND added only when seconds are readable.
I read h=6 m=37 s=54
